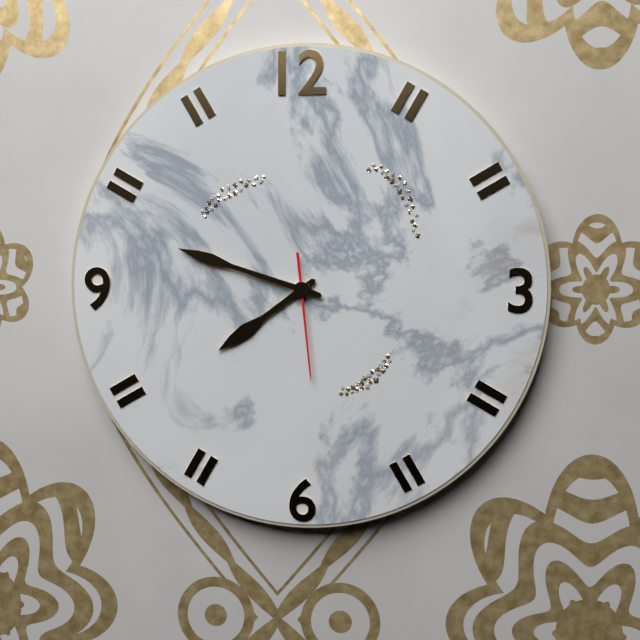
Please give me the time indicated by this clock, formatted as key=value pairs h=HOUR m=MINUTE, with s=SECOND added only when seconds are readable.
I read h=7 m=48 s=29
